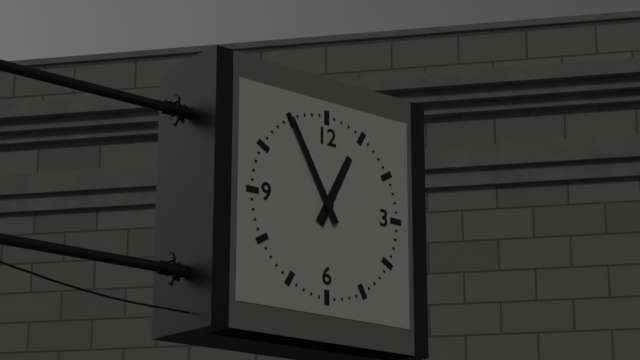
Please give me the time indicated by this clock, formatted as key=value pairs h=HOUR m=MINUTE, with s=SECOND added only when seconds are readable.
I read h=12 m=55
